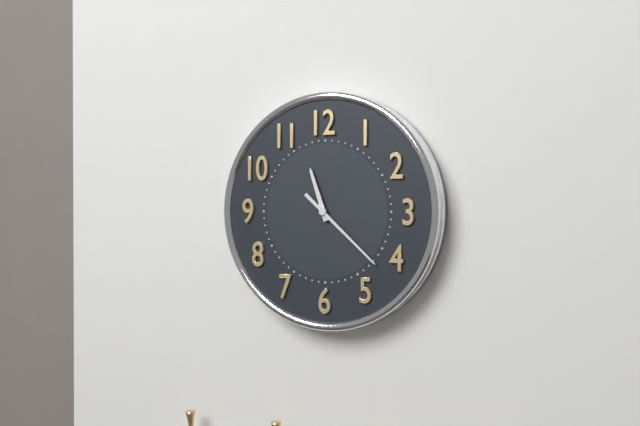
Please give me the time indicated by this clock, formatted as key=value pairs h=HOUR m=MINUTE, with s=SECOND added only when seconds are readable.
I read h=11 m=22
